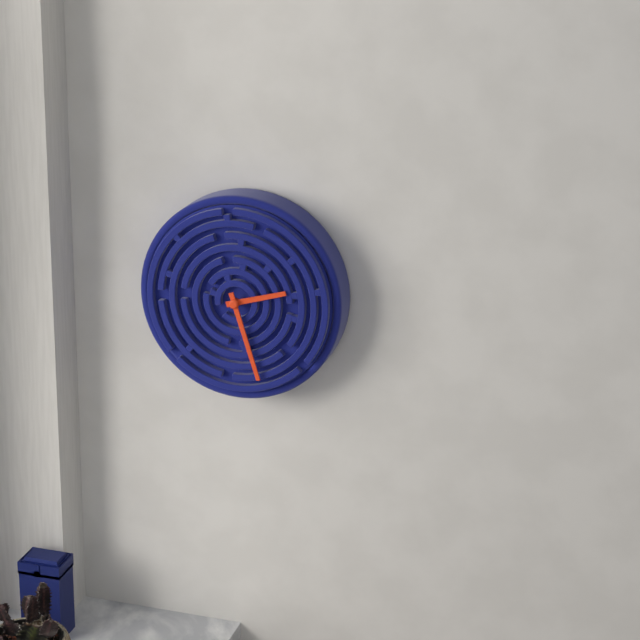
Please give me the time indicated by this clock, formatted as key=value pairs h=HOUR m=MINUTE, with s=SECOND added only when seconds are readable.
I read h=2 m=27
